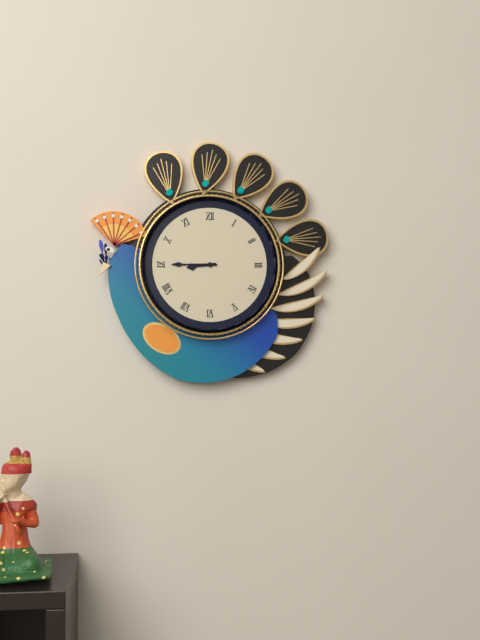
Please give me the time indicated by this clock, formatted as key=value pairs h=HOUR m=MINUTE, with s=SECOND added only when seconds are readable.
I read h=8 m=45
